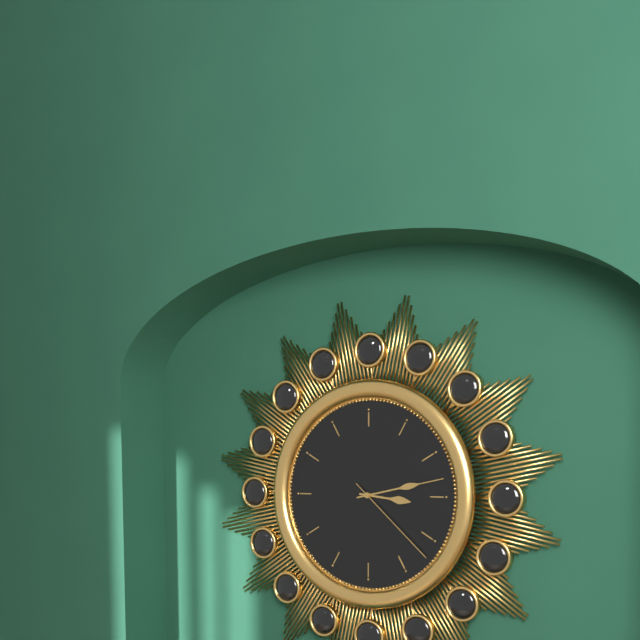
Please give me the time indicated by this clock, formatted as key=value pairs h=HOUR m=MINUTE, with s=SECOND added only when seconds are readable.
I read h=3 m=13 s=22
